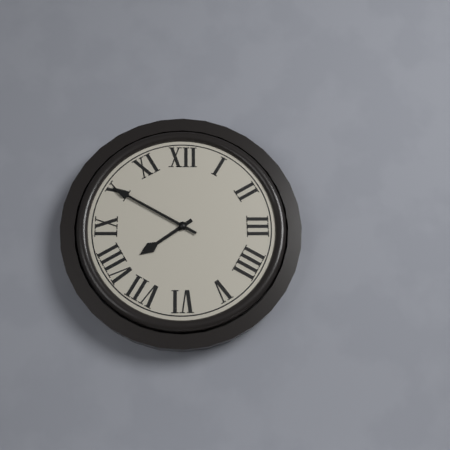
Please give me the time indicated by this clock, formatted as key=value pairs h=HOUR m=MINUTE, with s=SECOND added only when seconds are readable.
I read h=7 m=50
